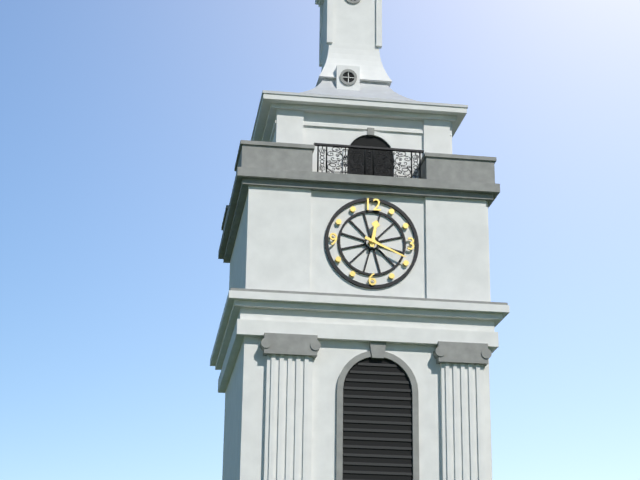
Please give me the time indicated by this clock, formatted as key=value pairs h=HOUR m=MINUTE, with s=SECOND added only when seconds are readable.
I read h=12 m=19
